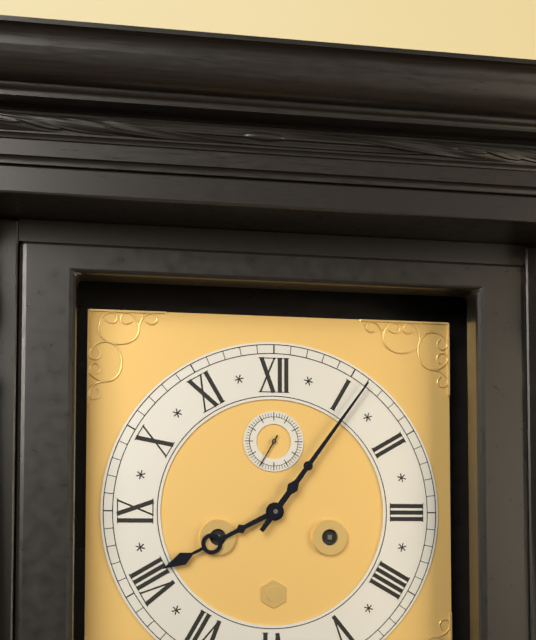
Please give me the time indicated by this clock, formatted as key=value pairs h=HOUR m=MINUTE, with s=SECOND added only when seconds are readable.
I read h=8 m=6
